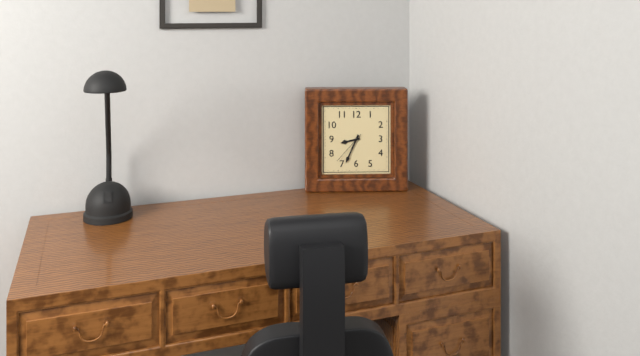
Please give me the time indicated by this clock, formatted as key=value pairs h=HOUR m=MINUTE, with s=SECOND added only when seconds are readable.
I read h=8 m=34
